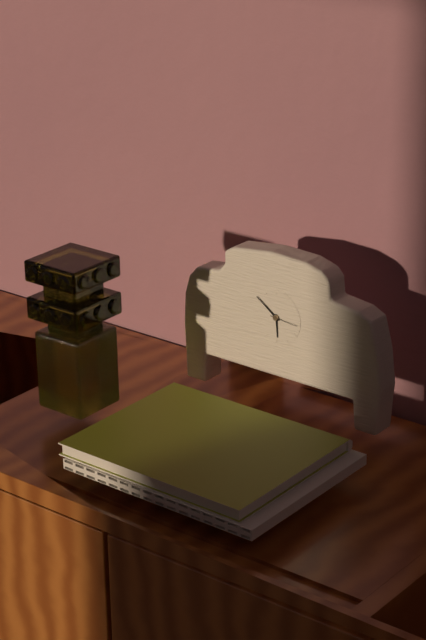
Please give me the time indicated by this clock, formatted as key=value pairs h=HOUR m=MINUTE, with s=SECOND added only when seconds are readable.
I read h=5 m=51
